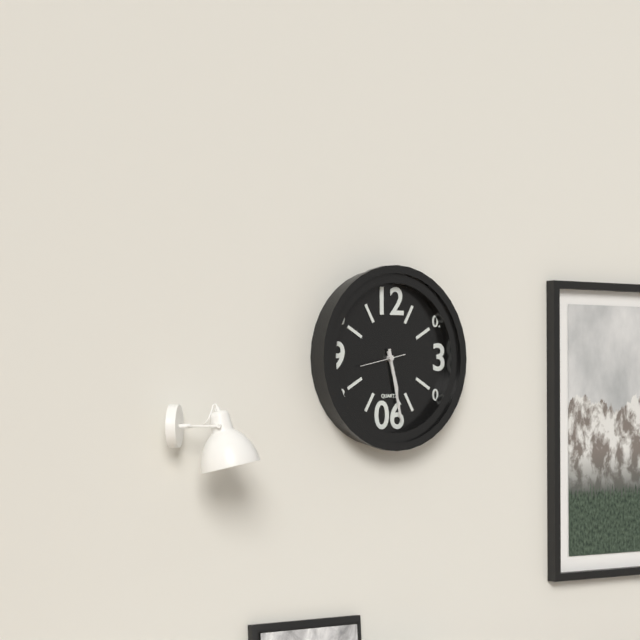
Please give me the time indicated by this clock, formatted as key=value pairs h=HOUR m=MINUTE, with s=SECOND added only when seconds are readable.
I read h=5 m=28
